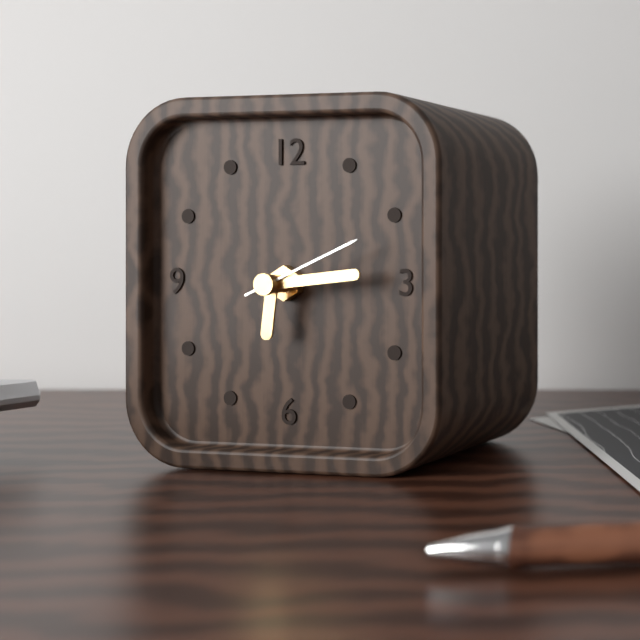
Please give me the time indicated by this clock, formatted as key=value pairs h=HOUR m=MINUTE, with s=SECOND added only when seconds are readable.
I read h=6 m=14 s=11
